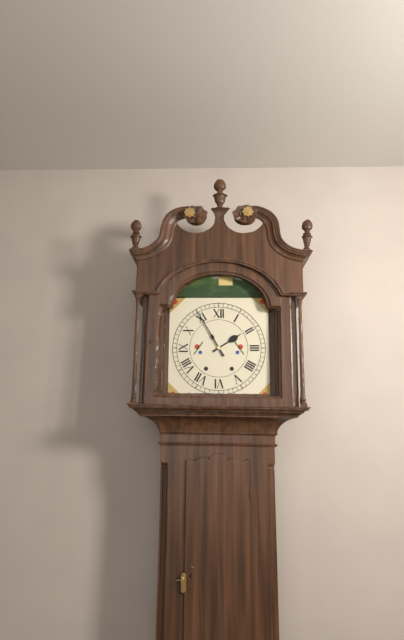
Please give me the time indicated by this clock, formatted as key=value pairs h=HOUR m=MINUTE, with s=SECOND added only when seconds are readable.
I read h=1 m=55
